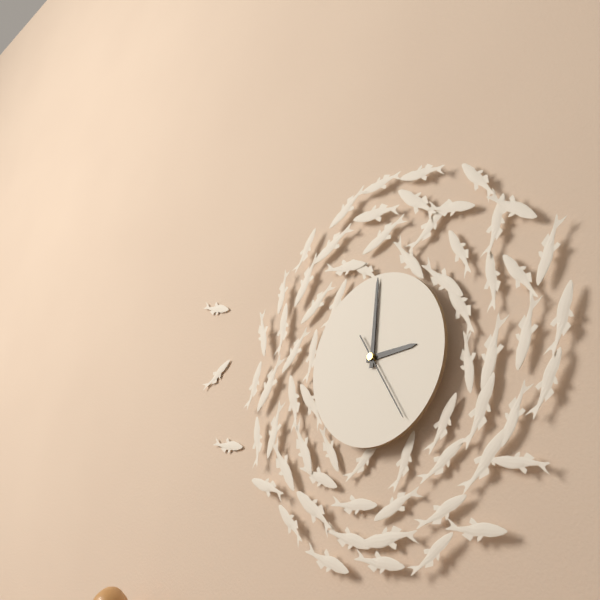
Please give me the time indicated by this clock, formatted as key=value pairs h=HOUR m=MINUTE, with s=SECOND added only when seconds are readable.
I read h=3 m=1 s=25
